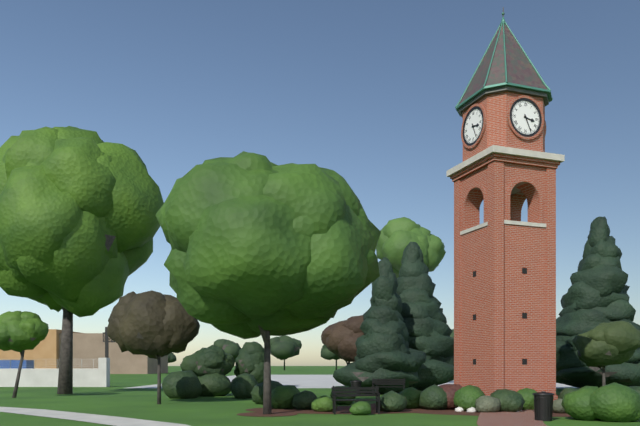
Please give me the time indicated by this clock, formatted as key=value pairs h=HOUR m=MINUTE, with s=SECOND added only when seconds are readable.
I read h=3 m=26
